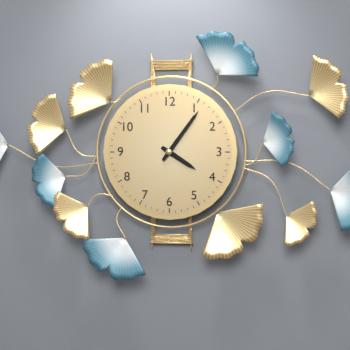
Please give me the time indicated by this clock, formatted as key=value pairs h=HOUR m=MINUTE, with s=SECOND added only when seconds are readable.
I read h=4 m=6
